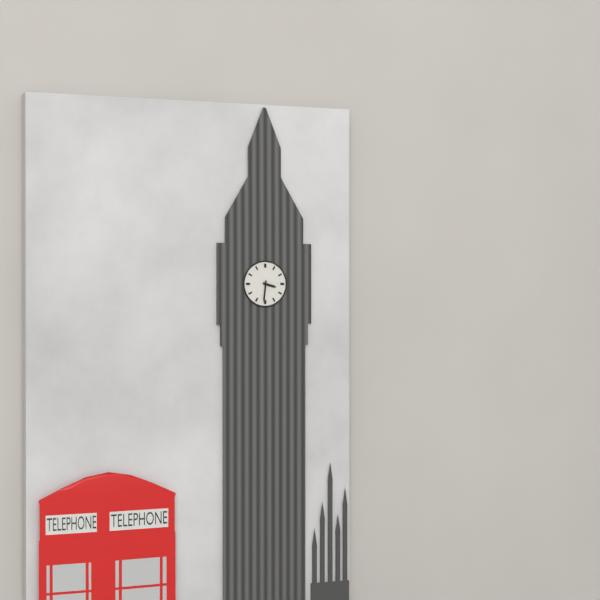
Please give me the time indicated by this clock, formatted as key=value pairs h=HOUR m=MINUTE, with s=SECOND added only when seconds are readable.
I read h=3 m=31
